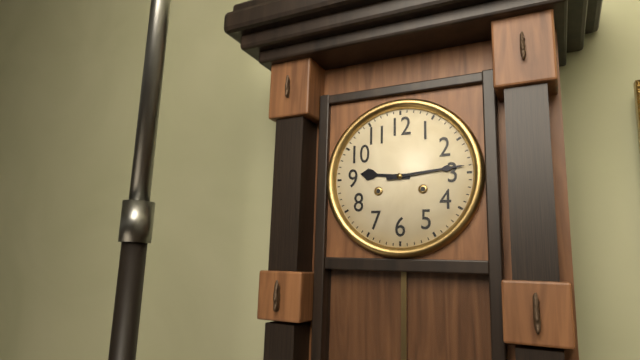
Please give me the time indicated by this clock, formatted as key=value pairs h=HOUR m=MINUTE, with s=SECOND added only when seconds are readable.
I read h=9 m=14
